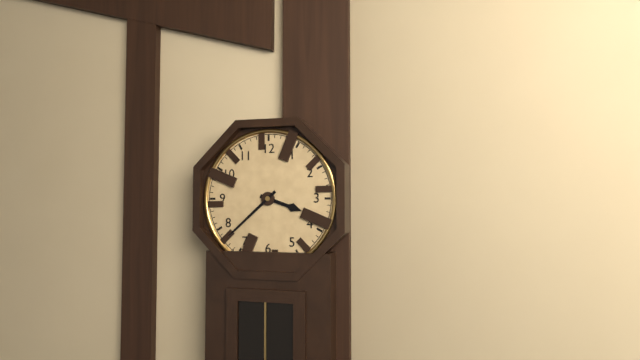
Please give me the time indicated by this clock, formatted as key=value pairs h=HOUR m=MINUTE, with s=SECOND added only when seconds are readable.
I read h=3 m=38
